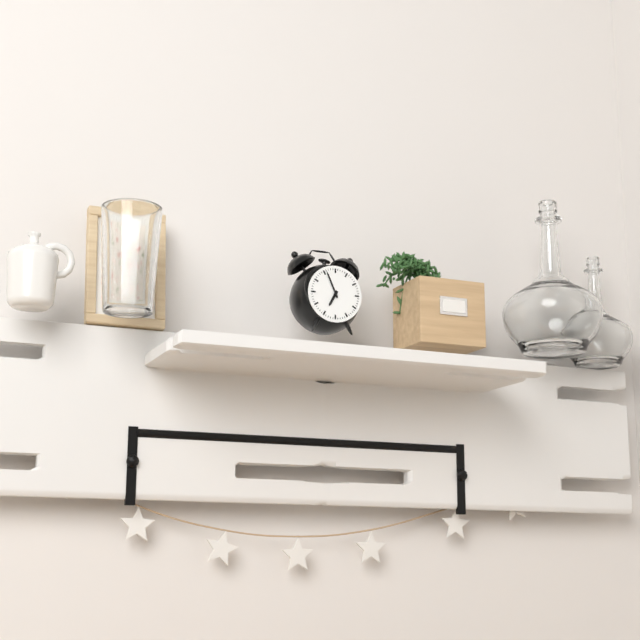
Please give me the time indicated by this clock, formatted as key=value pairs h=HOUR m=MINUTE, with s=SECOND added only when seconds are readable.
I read h=6 m=56
